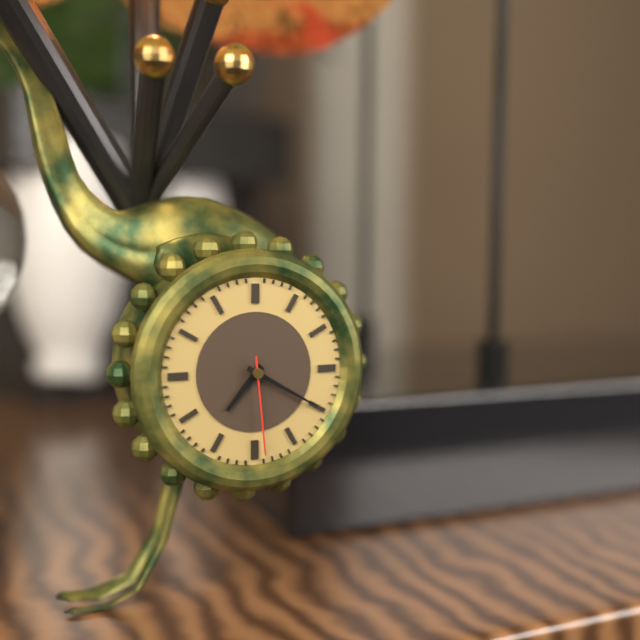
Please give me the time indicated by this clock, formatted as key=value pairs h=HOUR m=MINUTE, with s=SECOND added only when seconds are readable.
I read h=7 m=20 s=29
